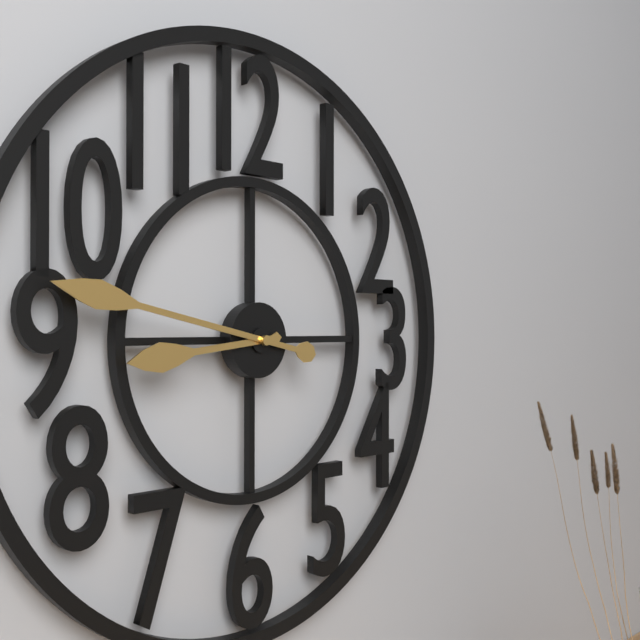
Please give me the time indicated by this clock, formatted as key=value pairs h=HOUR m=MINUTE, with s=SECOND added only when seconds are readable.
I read h=8 m=47
